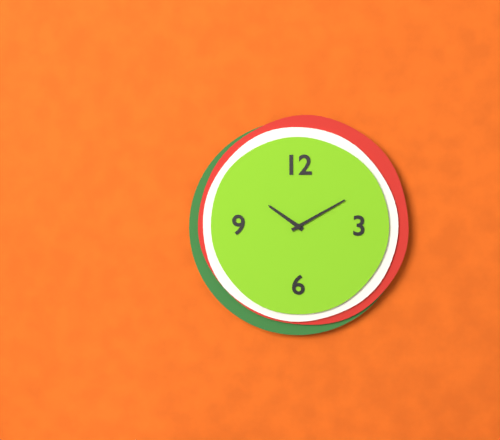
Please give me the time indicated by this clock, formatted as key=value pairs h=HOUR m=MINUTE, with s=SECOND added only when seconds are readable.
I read h=10 m=10
